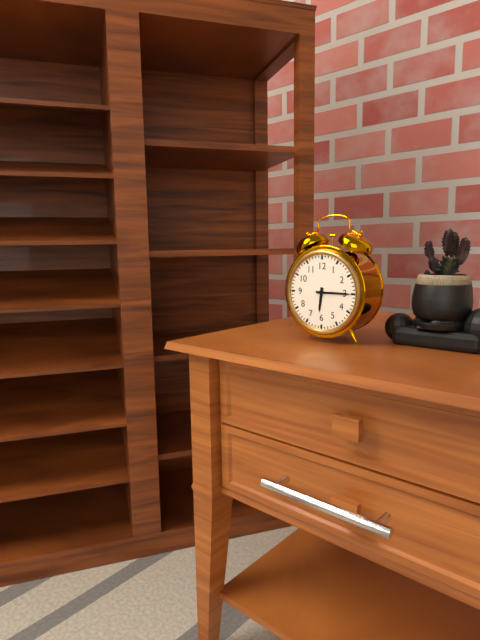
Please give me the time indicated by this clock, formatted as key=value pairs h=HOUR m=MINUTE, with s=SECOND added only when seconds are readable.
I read h=6 m=15
